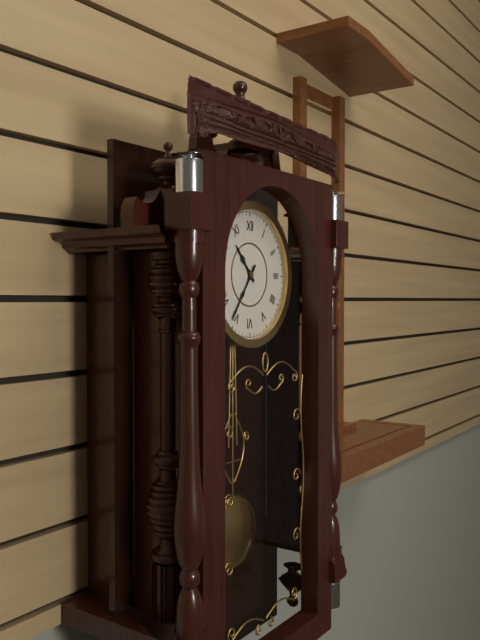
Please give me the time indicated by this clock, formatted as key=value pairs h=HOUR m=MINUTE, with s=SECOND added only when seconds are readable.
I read h=10 m=36
